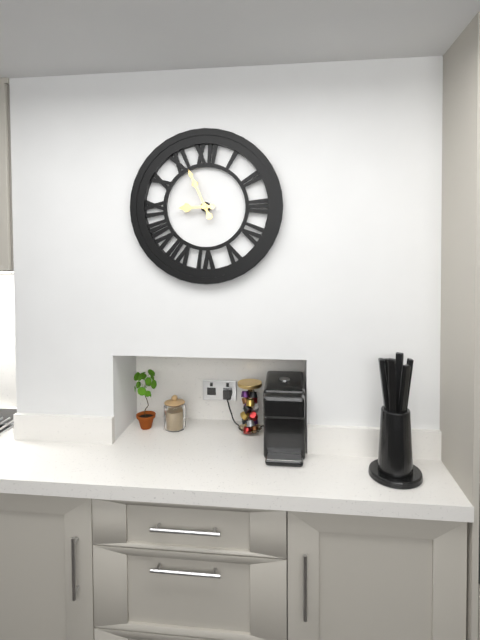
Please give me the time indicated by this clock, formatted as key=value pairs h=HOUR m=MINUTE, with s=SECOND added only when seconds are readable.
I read h=8 m=56
